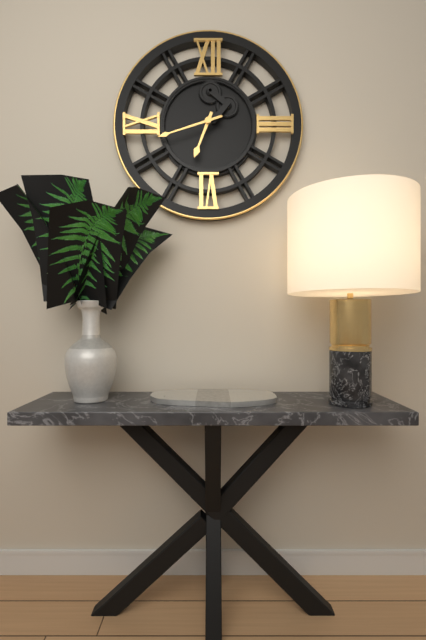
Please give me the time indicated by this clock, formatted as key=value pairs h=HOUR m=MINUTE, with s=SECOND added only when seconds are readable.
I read h=6 m=42
